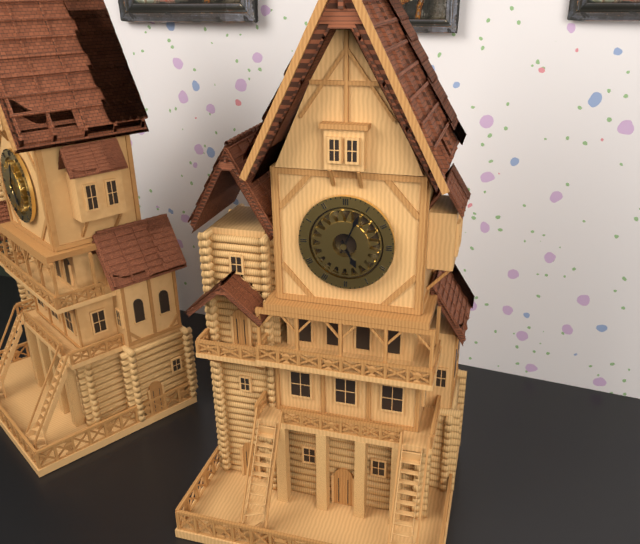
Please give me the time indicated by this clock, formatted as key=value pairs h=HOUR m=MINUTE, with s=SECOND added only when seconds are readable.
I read h=5 m=4
